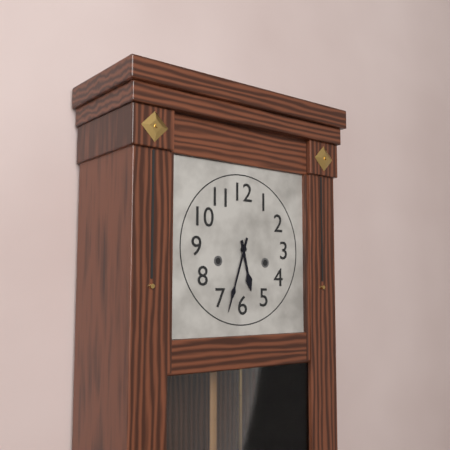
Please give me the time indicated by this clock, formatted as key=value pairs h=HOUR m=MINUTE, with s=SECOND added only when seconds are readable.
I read h=5 m=33
